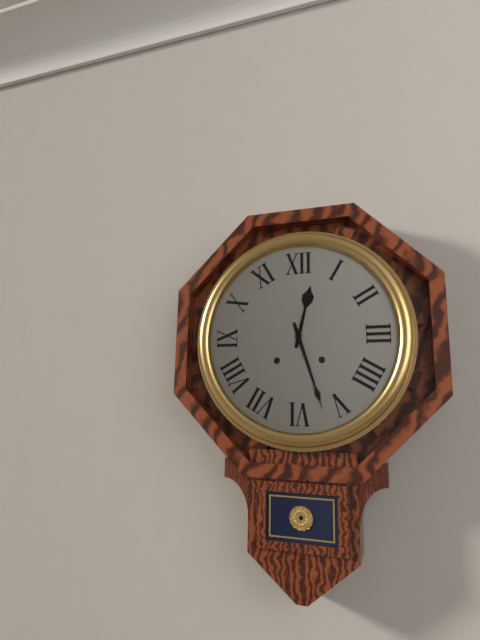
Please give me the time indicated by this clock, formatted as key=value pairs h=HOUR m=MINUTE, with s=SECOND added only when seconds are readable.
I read h=12 m=27
